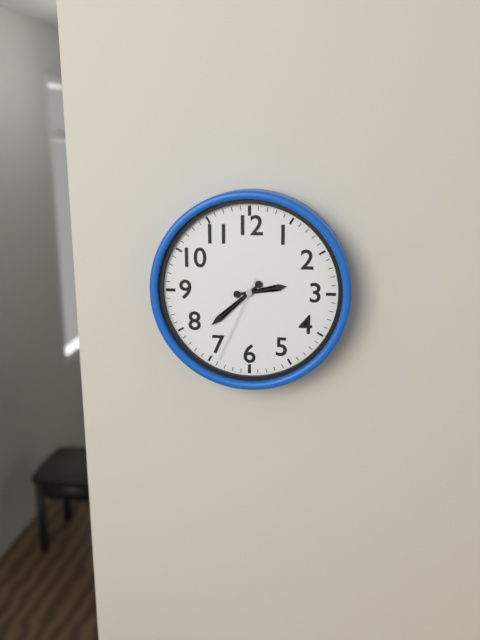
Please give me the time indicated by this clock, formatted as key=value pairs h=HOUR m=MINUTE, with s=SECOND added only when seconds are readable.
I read h=2 m=38 s=34
